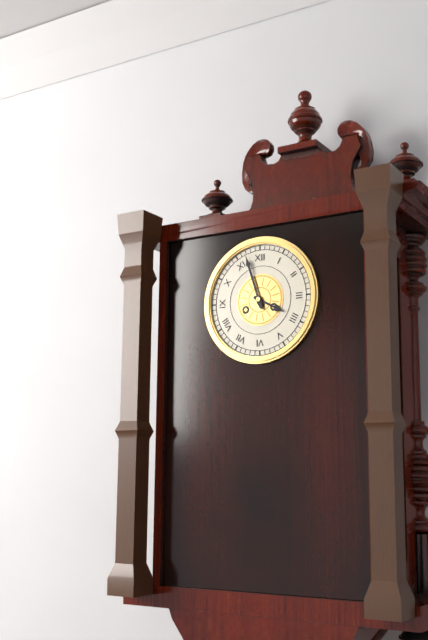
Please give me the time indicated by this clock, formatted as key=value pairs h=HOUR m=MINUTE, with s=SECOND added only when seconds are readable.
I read h=3 m=57
